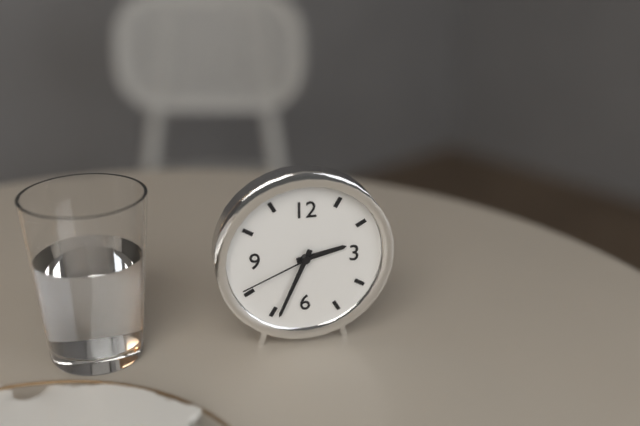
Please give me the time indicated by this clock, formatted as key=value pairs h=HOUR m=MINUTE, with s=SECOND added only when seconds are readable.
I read h=2 m=34 s=41
